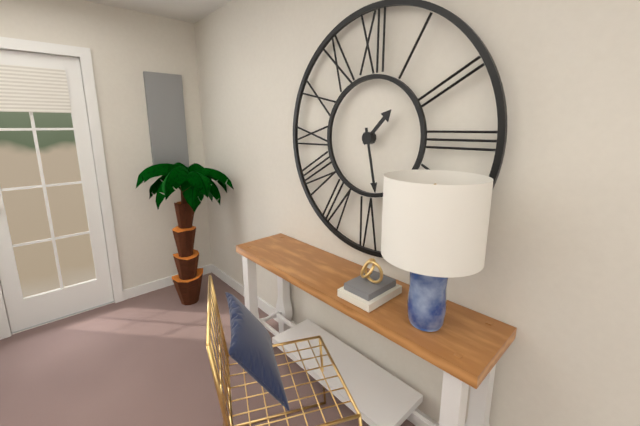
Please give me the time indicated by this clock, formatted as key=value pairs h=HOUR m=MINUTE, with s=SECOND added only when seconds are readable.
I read h=1 m=28
